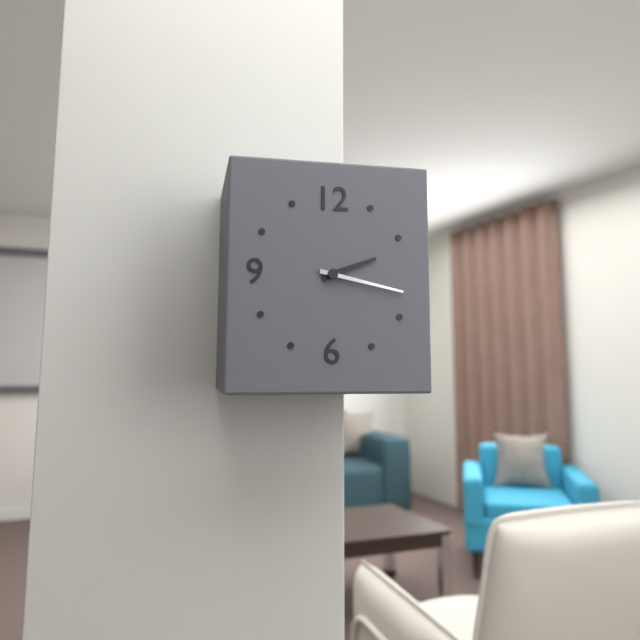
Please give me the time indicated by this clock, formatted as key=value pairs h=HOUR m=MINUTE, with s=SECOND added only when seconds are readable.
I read h=2 m=17
